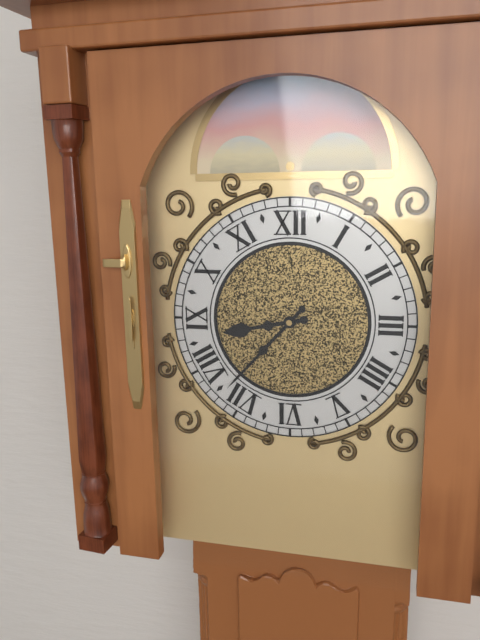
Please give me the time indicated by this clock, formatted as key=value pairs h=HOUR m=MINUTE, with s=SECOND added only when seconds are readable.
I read h=8 m=37
